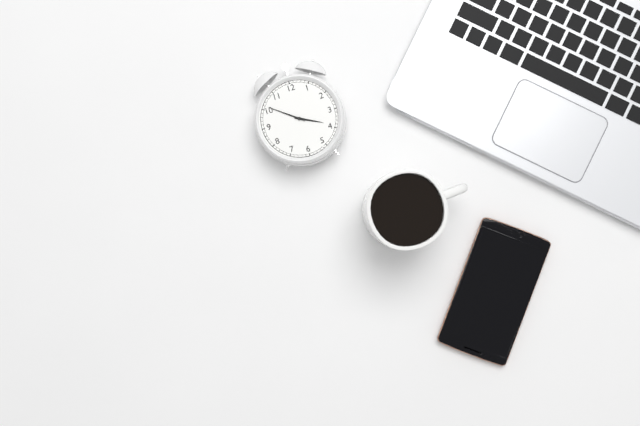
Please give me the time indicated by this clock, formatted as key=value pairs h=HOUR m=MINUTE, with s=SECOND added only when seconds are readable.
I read h=3 m=51
